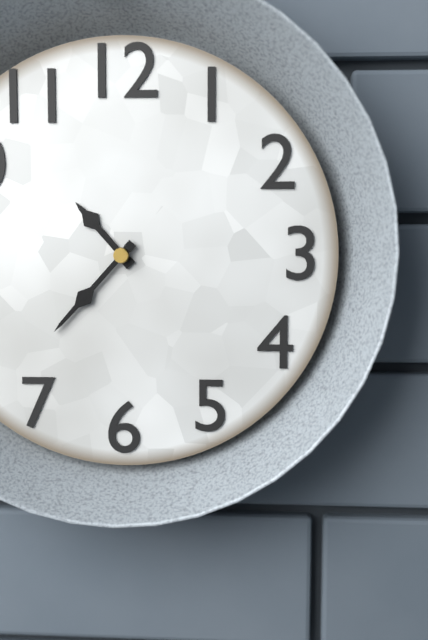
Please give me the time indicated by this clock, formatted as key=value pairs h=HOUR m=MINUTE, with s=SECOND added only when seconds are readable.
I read h=10 m=37
